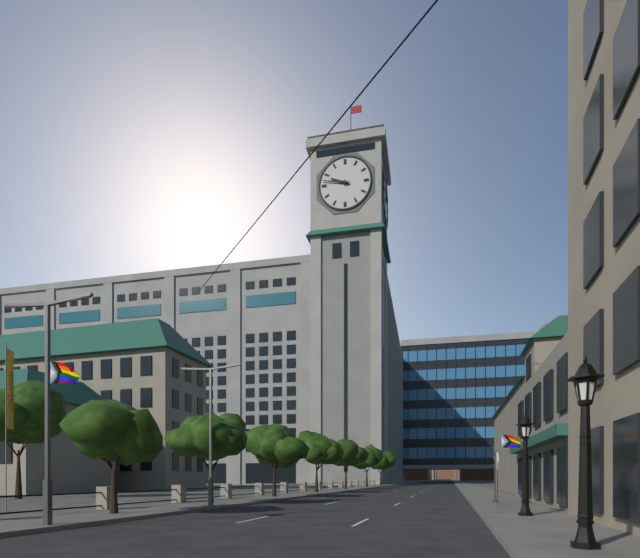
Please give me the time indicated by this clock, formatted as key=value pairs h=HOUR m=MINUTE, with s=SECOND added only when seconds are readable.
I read h=9 m=47
